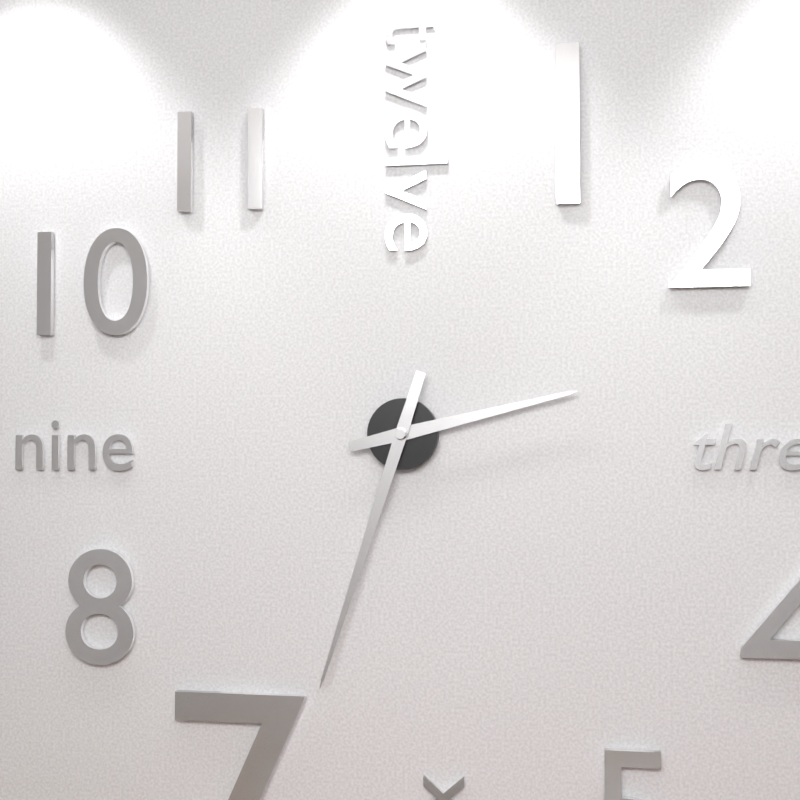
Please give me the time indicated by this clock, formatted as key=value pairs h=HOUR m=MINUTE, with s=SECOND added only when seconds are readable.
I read h=2 m=33
